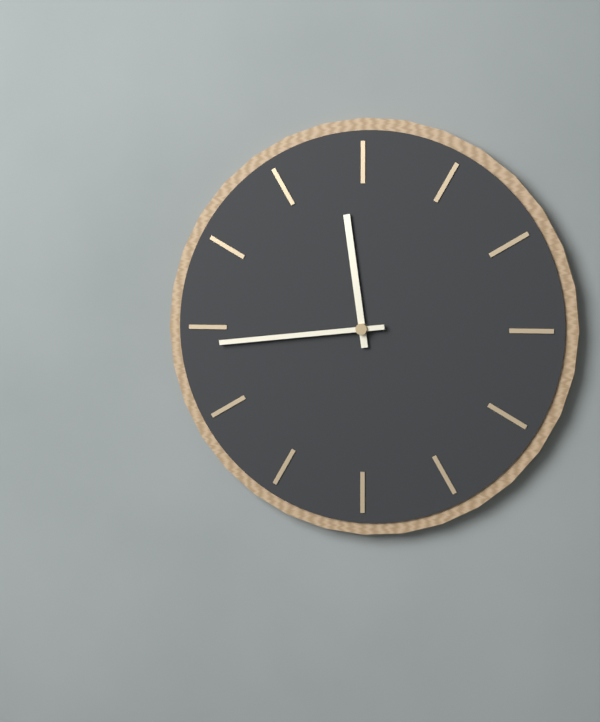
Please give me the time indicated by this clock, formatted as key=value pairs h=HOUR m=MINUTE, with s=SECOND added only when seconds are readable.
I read h=11 m=44
